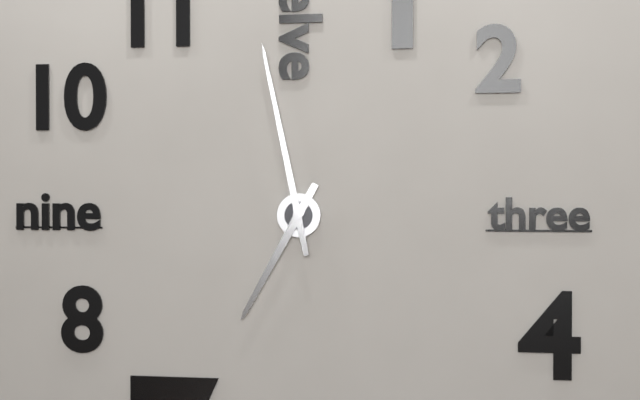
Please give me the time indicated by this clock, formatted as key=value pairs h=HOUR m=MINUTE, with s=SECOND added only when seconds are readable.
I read h=6 m=58
